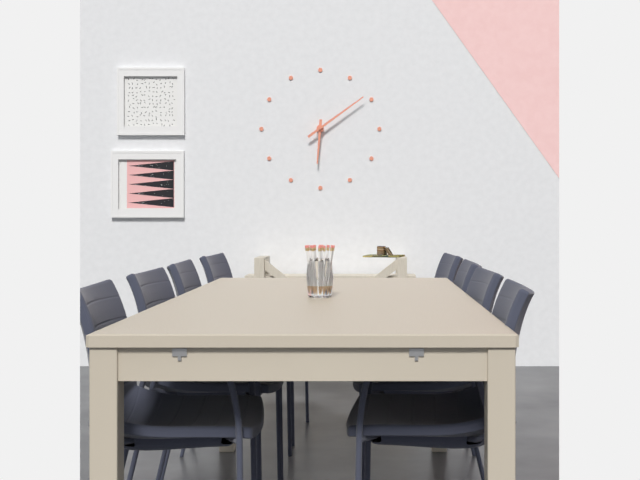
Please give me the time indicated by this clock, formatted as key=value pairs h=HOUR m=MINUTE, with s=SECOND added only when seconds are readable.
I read h=6 m=9
